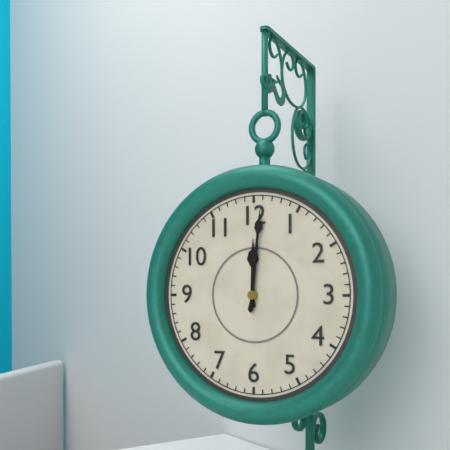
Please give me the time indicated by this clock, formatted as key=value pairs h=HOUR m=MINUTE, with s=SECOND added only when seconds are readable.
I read h=12 m=1
